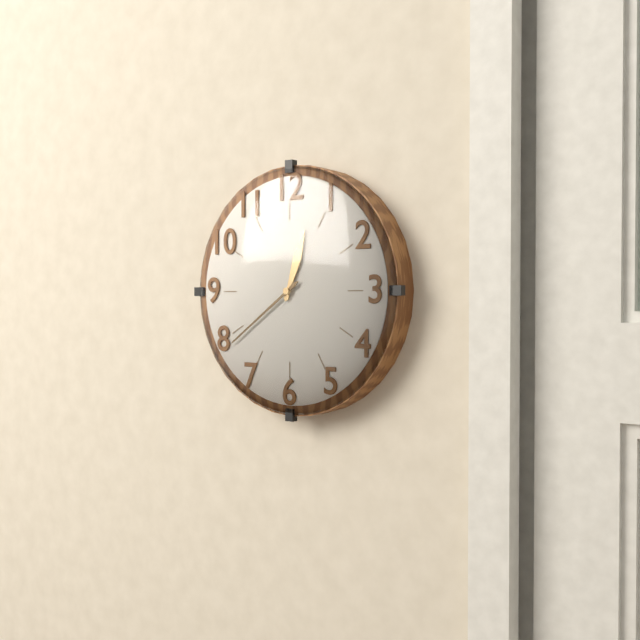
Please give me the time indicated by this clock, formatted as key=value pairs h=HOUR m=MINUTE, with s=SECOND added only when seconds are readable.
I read h=12 m=39
